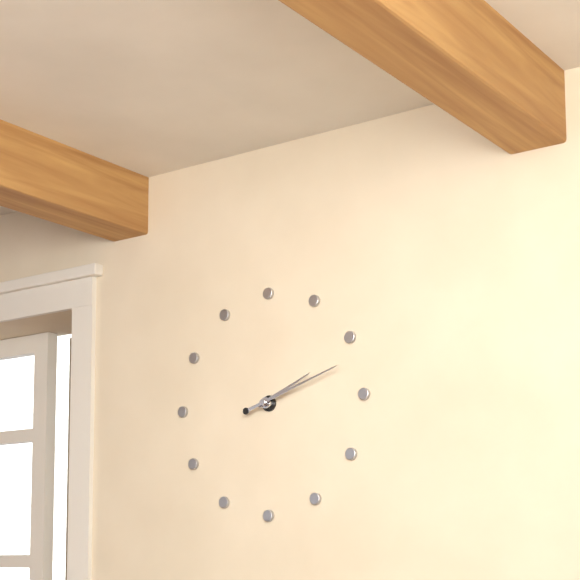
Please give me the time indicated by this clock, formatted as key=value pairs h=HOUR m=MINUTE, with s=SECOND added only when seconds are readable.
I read h=2 m=12
